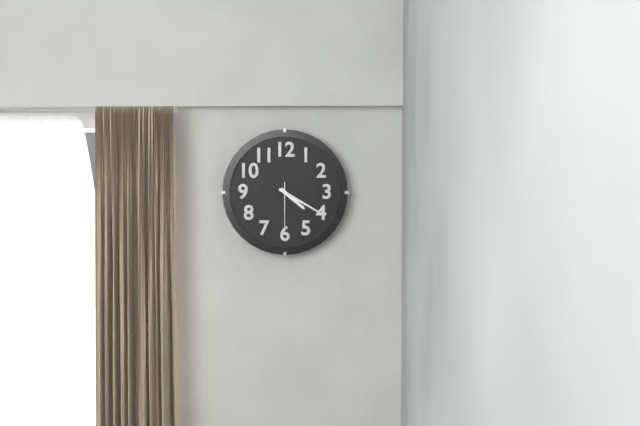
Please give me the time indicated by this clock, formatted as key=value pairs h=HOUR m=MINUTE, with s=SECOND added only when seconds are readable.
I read h=4 m=20
